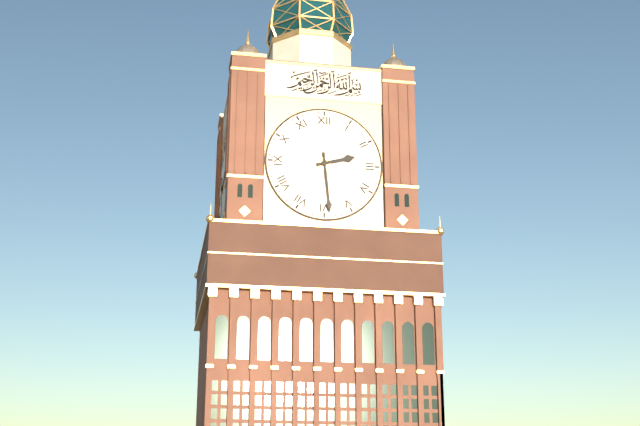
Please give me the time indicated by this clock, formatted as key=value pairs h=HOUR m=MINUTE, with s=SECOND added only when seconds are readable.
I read h=2 m=29
